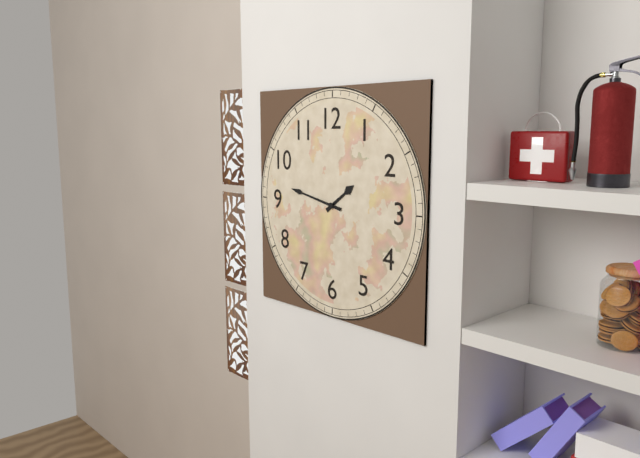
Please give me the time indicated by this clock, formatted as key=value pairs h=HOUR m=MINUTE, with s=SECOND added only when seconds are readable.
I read h=1 m=47
